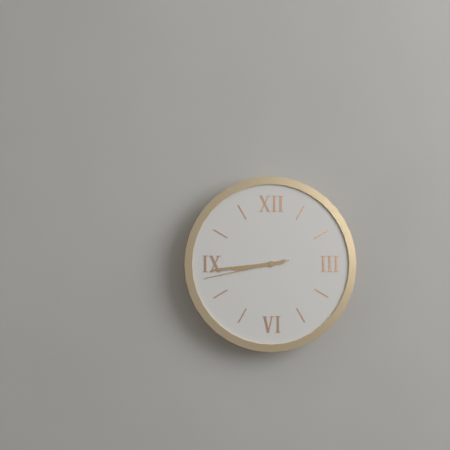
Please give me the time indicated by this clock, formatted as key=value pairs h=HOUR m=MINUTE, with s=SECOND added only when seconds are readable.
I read h=8 m=44 s=43
